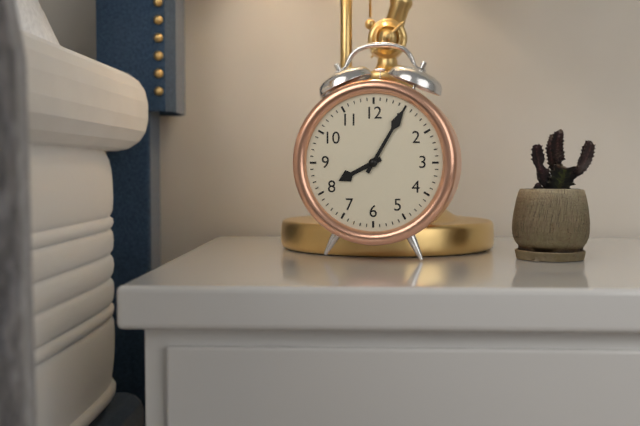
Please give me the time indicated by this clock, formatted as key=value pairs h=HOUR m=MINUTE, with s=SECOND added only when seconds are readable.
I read h=8 m=5
